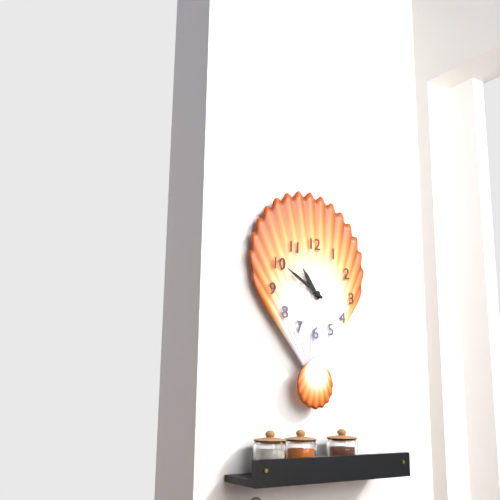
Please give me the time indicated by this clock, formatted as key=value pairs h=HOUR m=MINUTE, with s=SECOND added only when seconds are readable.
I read h=10 m=50
